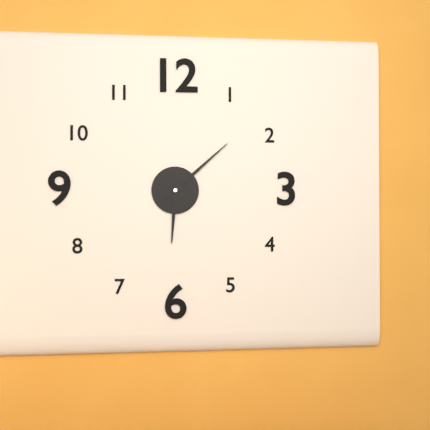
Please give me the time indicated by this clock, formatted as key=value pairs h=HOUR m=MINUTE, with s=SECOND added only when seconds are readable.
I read h=6 m=8
